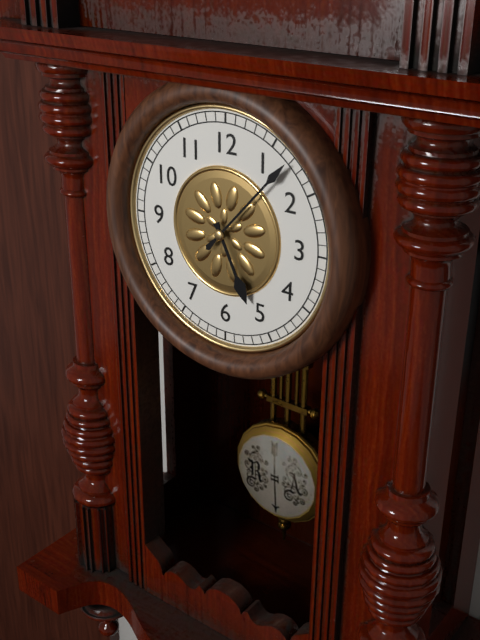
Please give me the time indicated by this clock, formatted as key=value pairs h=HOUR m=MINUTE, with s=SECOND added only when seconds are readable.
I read h=5 m=7
